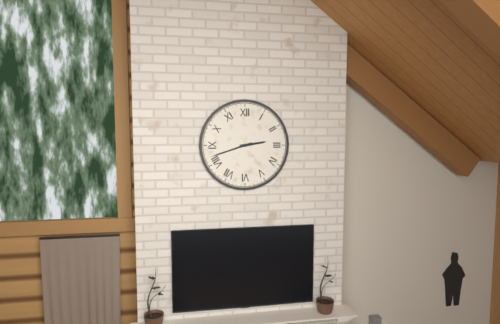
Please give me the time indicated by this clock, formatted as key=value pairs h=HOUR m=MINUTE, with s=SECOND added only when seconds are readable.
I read h=2 m=42
